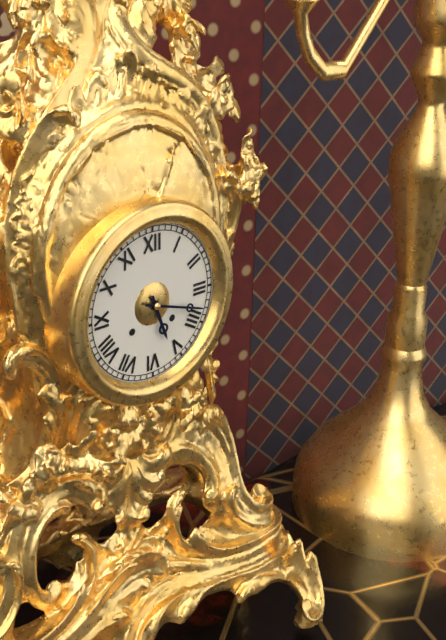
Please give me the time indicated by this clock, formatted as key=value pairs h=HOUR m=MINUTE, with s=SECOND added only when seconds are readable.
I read h=5 m=18
